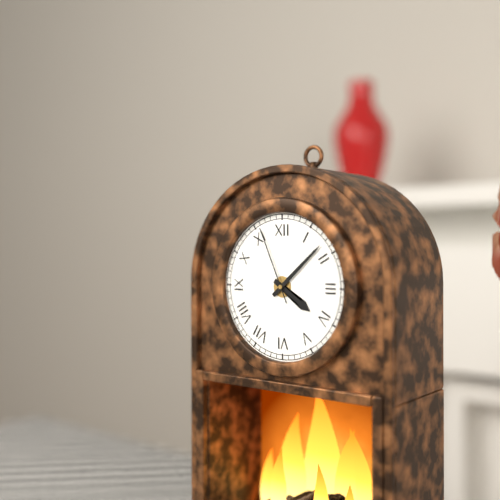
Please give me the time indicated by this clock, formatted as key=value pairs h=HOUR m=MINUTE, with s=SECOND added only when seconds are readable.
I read h=4 m=8 s=56
